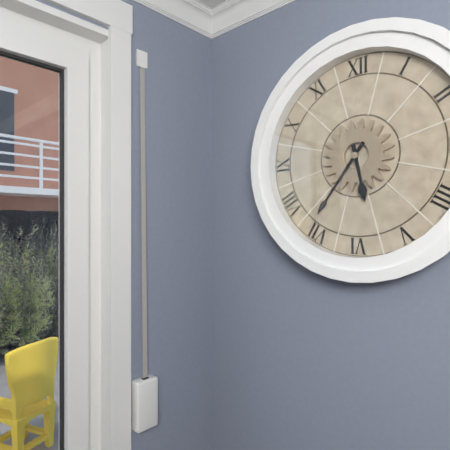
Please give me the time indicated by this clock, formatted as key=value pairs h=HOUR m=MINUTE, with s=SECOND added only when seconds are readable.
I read h=5 m=36
